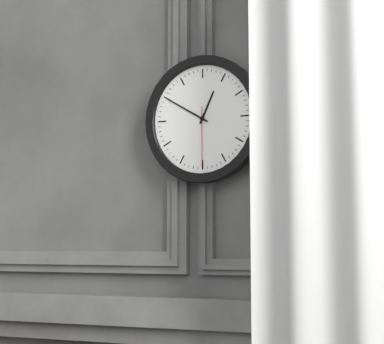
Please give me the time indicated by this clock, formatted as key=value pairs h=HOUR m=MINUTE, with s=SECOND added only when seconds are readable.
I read h=12 m=50 s=30
